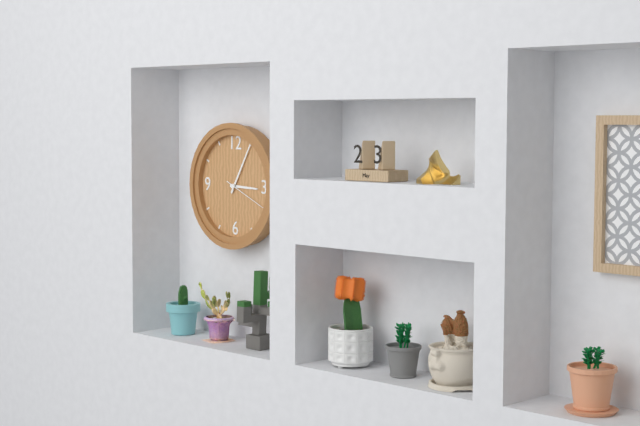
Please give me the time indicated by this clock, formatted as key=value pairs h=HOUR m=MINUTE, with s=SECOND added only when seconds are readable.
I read h=3 m=5 s=19
